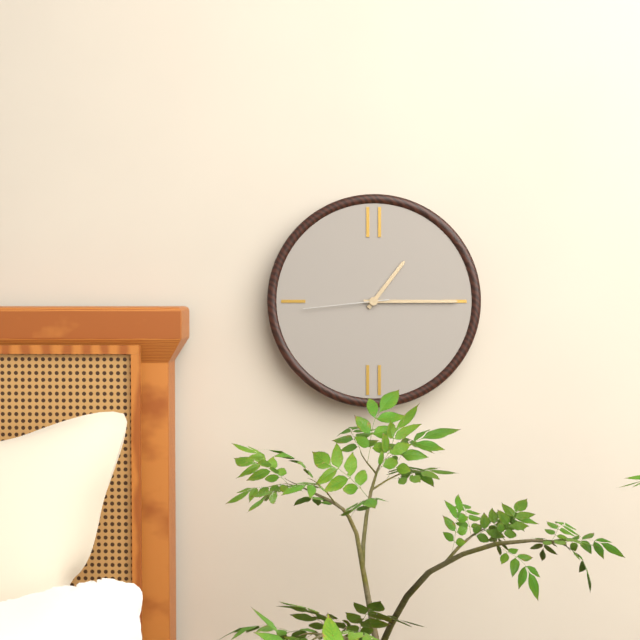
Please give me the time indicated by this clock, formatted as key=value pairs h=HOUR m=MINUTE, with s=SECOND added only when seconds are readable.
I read h=1 m=15 s=44
